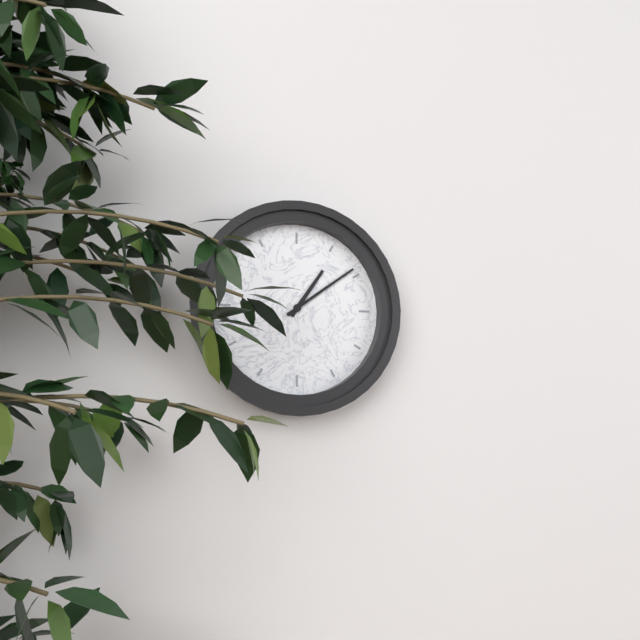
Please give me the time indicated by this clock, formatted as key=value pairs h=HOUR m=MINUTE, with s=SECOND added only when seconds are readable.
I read h=1 m=9
